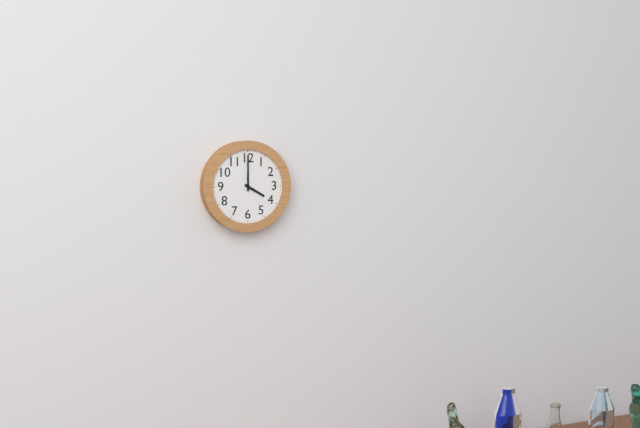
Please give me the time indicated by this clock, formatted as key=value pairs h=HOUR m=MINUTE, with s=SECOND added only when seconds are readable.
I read h=4 m=0
